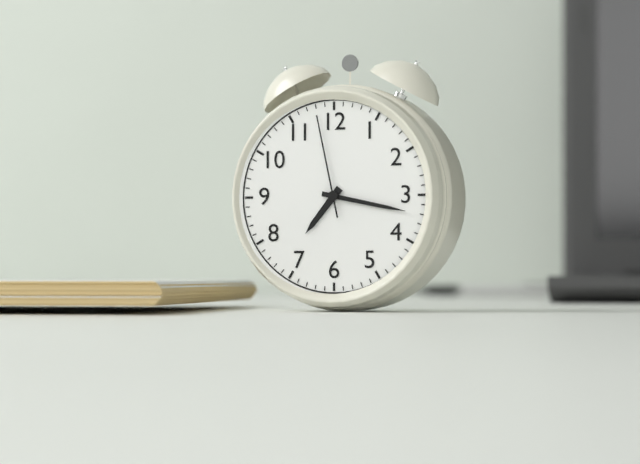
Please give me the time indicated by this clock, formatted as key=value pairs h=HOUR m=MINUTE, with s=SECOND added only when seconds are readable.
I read h=7 m=17 s=58
